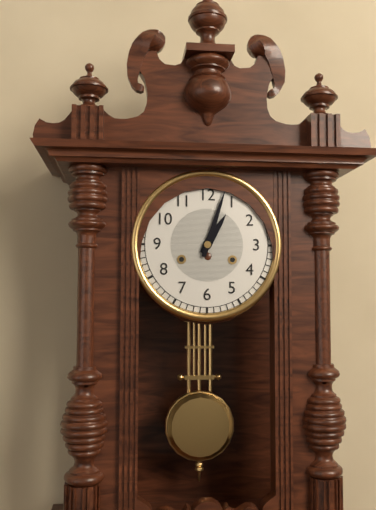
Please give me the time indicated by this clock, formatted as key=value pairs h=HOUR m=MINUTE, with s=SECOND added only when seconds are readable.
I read h=1 m=3
